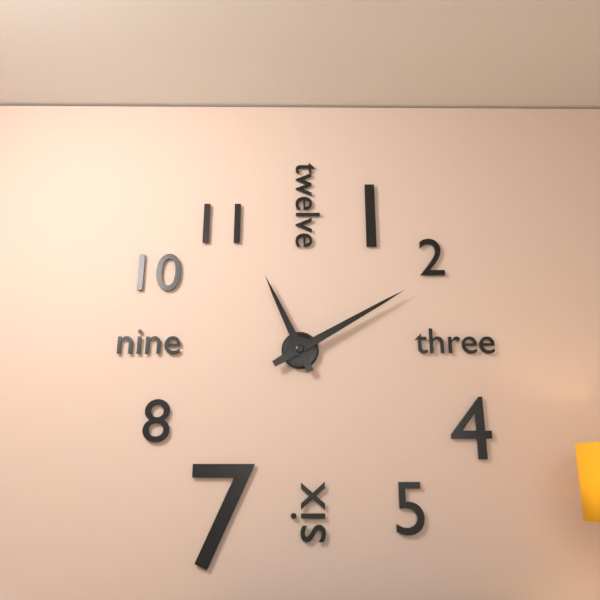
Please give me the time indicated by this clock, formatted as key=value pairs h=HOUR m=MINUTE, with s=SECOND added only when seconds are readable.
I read h=11 m=10
